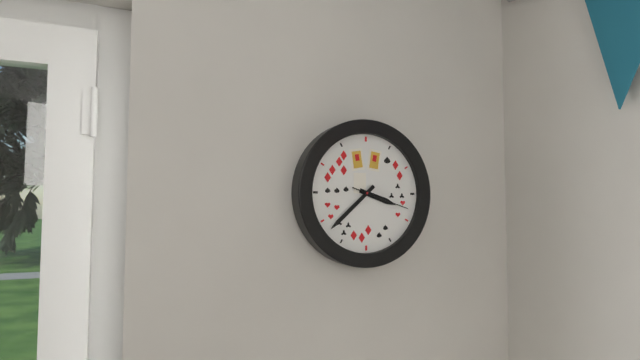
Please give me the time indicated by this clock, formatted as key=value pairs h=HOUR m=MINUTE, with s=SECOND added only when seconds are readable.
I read h=3 m=38 s=18
